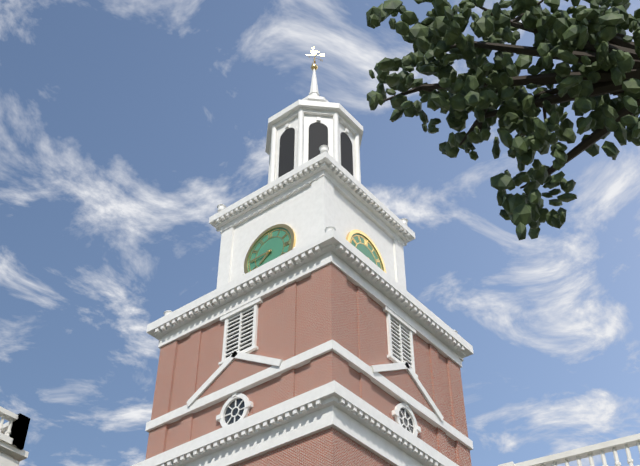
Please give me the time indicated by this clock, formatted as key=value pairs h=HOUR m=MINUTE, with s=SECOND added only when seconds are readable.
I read h=7 m=45
